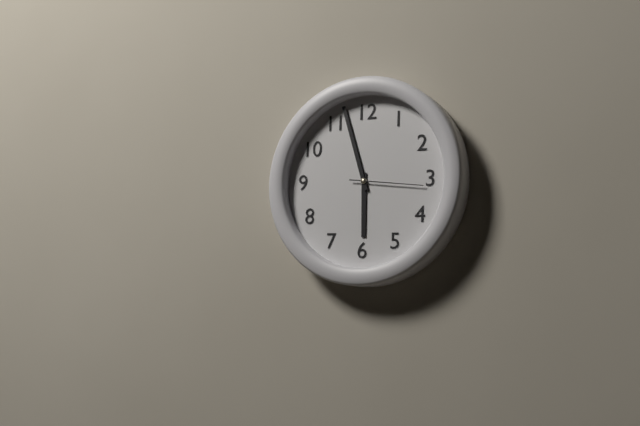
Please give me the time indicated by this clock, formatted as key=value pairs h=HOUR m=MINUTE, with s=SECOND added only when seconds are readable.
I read h=5 m=57 s=16
